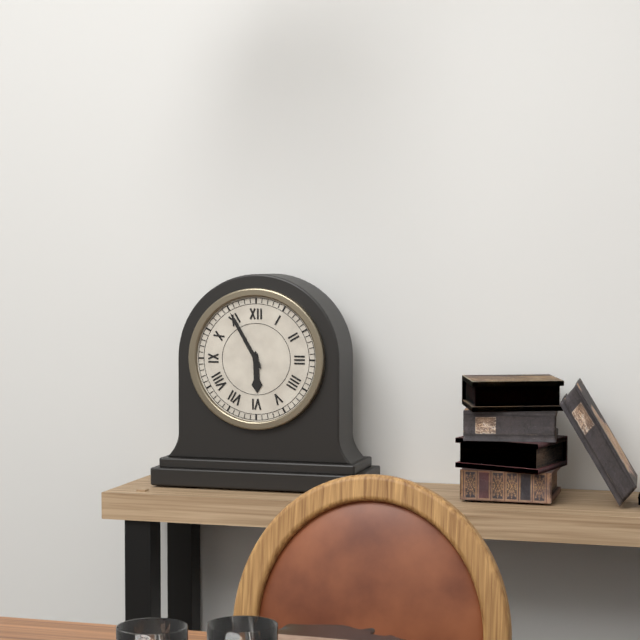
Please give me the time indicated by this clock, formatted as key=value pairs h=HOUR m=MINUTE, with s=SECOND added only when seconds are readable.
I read h=5 m=55
